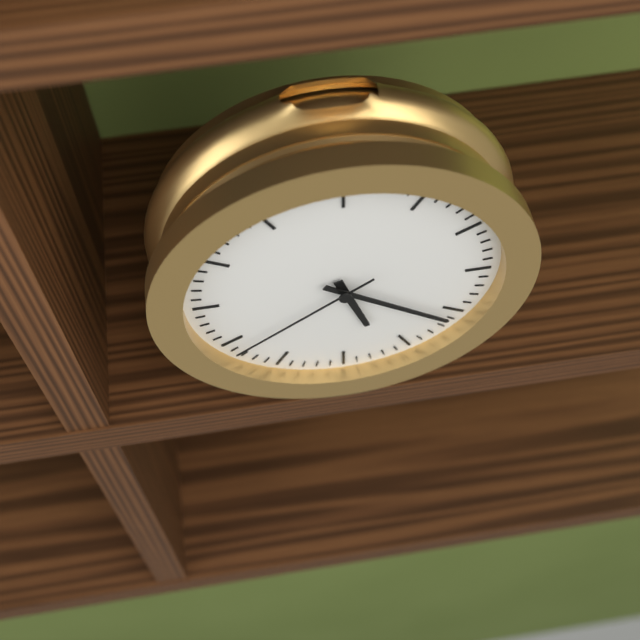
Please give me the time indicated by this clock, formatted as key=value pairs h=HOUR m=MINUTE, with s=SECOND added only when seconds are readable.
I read h=5 m=21 s=39
